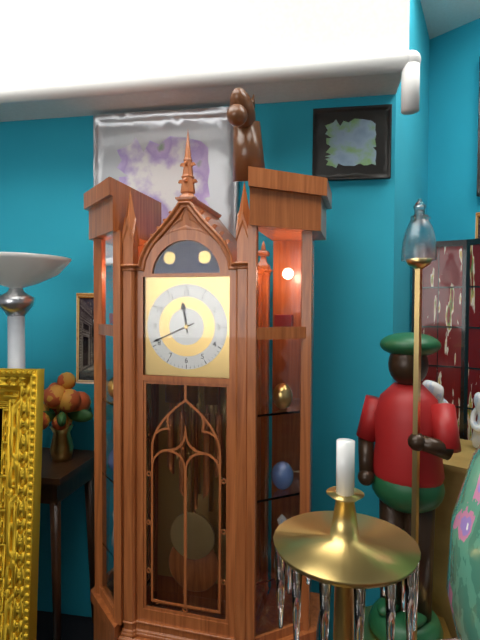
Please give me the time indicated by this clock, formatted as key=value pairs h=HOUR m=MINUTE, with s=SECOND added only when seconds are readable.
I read h=11 m=41
